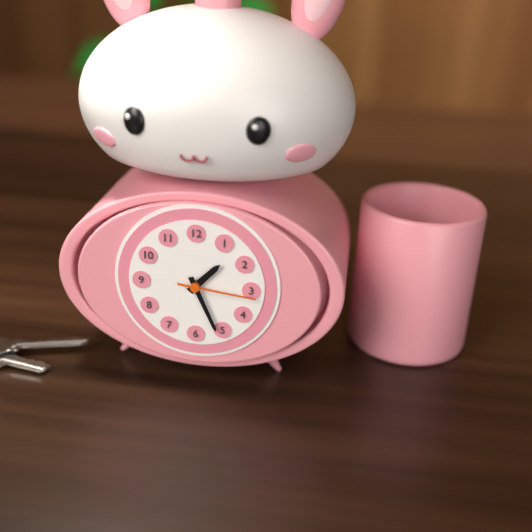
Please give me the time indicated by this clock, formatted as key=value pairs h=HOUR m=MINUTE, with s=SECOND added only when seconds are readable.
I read h=1 m=26 s=16
